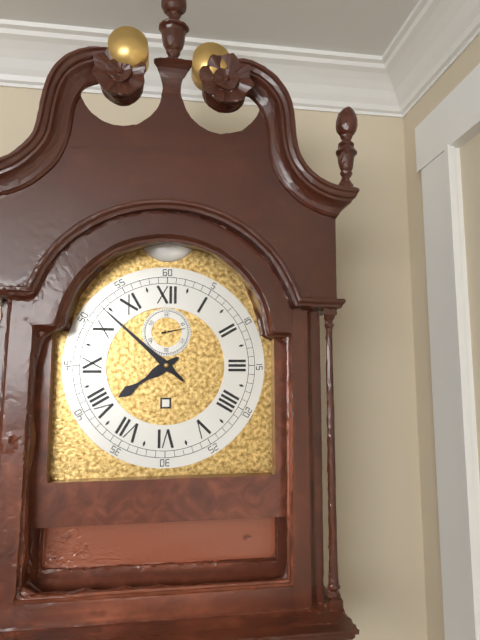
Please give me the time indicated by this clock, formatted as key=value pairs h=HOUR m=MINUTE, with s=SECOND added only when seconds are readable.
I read h=7 m=52
